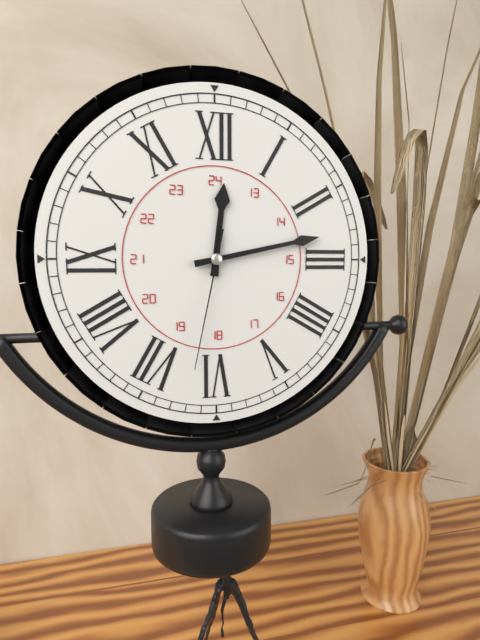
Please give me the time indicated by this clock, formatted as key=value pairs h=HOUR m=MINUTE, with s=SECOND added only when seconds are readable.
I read h=12 m=13 s=32
